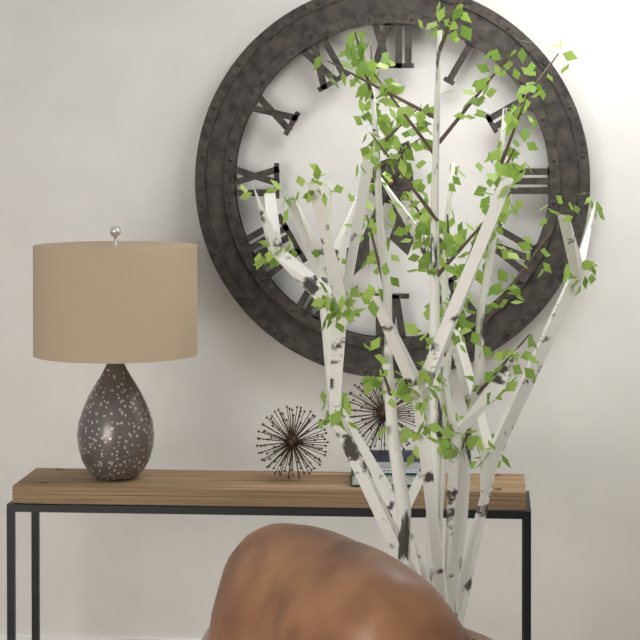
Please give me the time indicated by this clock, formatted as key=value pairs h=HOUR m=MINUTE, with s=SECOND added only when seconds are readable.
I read h=5 m=34
